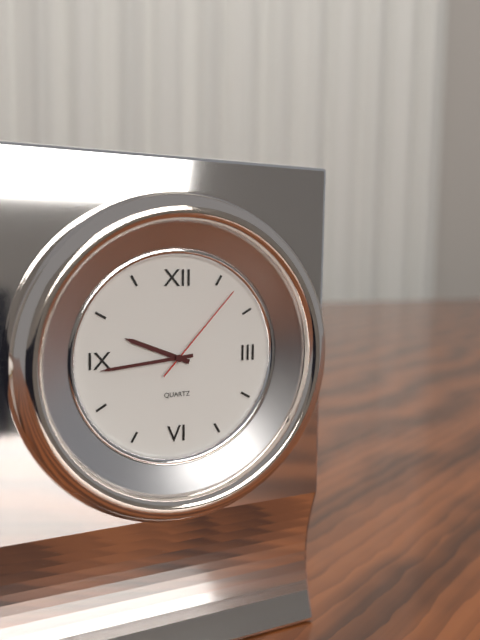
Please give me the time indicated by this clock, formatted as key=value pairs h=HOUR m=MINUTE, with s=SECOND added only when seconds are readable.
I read h=9 m=44 s=7
